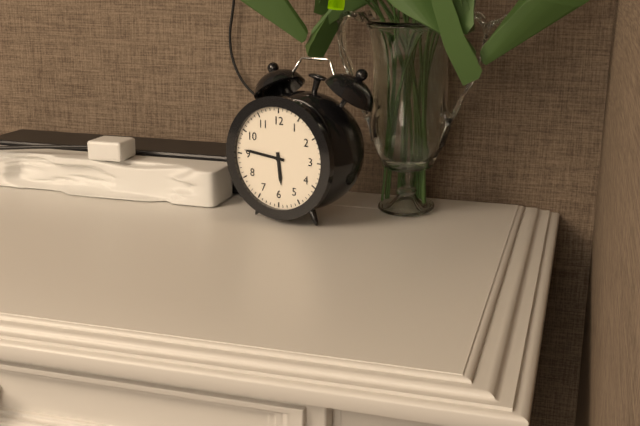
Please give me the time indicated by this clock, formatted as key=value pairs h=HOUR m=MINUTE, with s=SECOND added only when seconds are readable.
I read h=5 m=46
